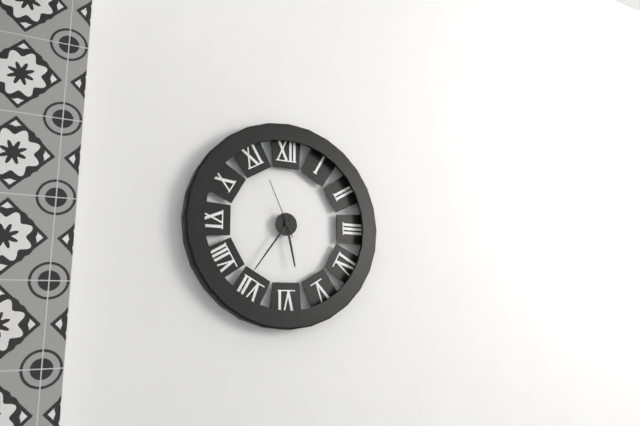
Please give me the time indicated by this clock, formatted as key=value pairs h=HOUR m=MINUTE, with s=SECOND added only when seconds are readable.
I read h=5 m=36 s=56
